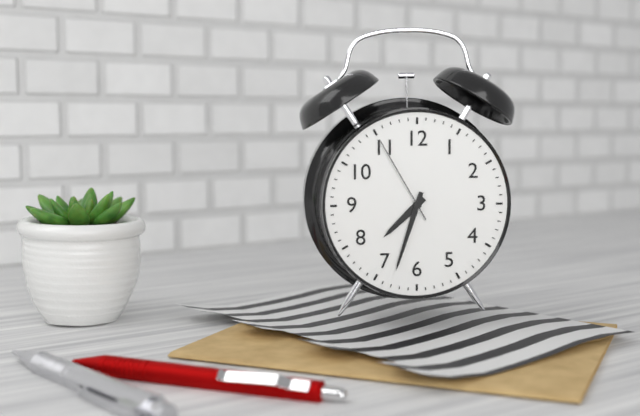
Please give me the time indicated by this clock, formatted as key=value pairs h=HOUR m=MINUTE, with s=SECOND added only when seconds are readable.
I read h=7 m=33 s=55
